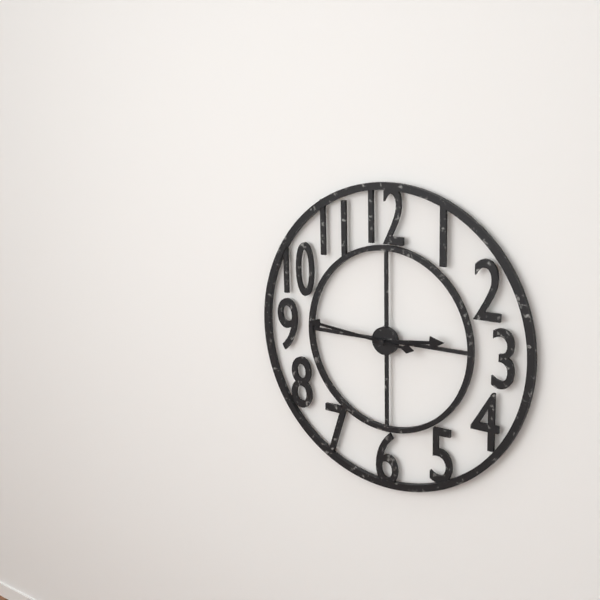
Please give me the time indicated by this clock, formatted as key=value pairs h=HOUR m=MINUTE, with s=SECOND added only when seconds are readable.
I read h=2 m=46
